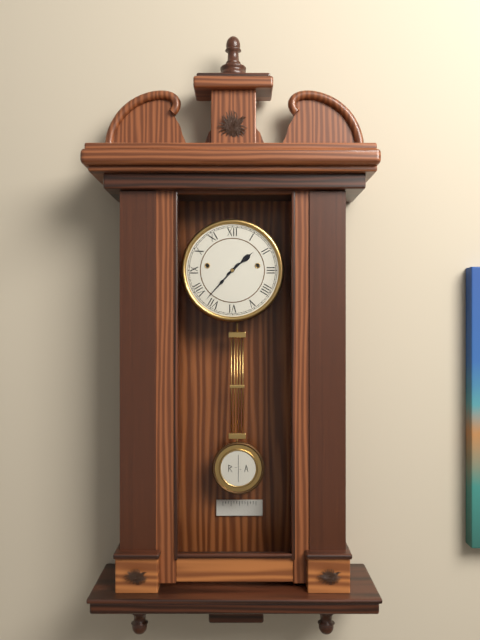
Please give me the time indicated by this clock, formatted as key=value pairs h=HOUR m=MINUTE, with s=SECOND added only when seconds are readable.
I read h=1 m=37
